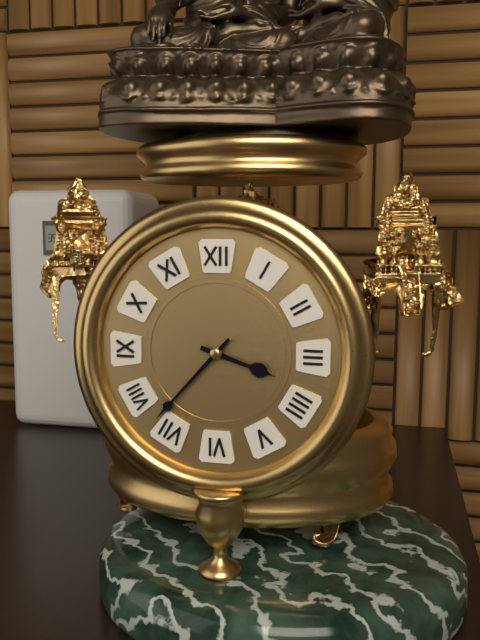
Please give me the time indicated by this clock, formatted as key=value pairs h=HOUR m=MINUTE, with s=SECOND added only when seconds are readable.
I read h=3 m=37
